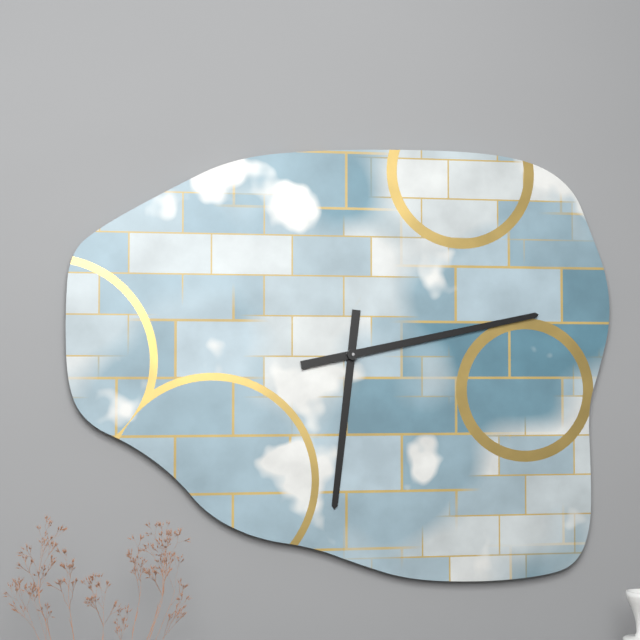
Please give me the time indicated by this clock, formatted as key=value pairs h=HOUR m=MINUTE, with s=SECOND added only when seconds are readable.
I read h=6 m=13
